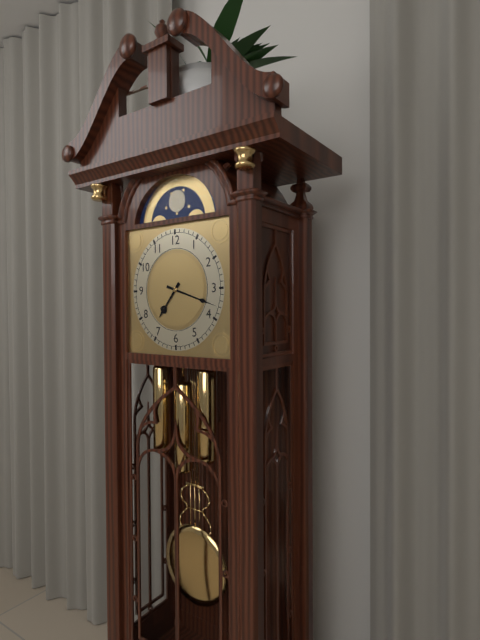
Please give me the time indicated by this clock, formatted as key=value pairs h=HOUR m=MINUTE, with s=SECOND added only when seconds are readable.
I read h=7 m=18
